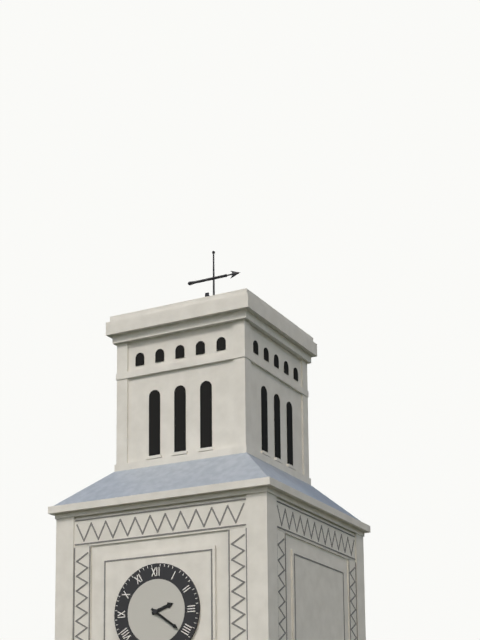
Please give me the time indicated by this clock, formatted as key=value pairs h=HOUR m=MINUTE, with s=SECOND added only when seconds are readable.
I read h=2 m=21
